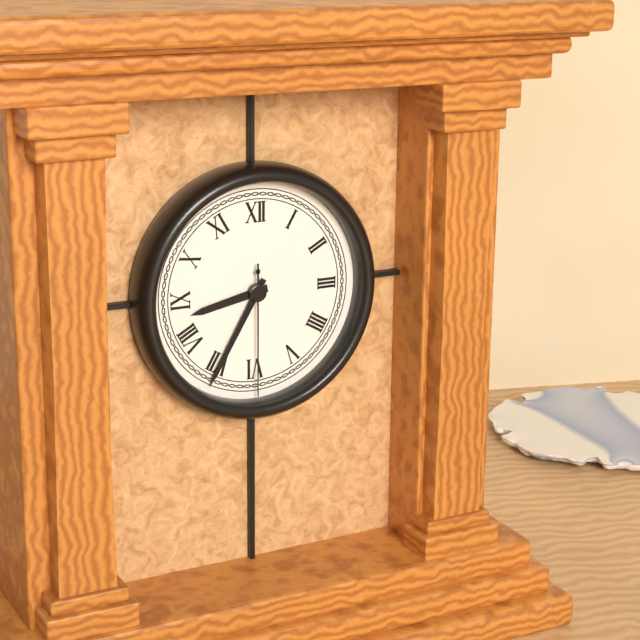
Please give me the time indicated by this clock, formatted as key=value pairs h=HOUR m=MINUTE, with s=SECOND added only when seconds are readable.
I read h=8 m=35 s=30
